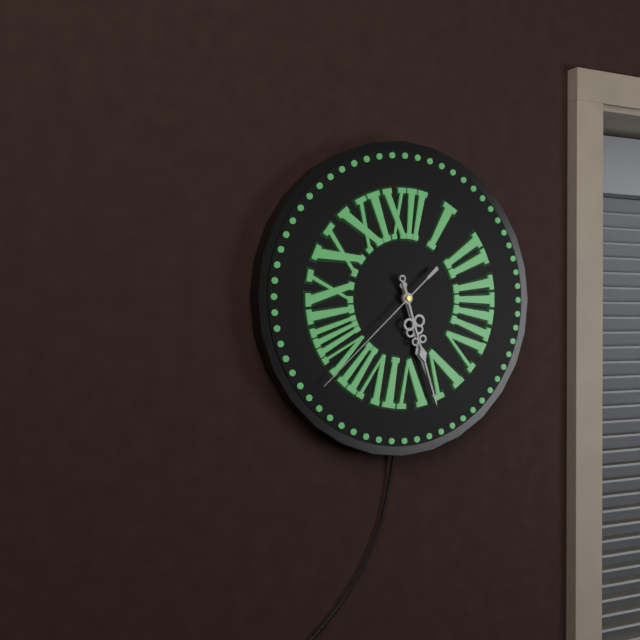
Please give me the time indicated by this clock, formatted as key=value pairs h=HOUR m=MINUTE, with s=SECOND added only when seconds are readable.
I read h=5 m=27 s=38
